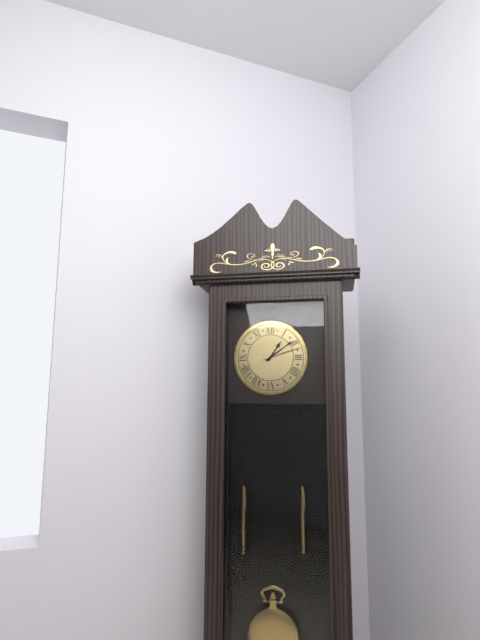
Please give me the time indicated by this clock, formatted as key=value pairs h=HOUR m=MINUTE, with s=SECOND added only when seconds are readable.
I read h=1 m=9
